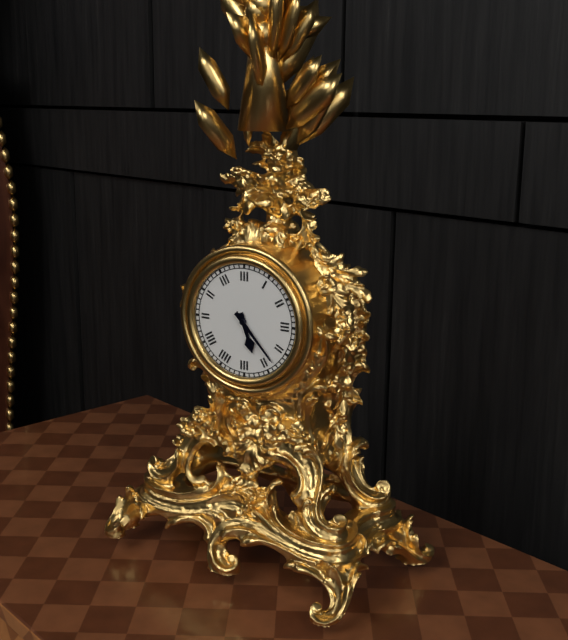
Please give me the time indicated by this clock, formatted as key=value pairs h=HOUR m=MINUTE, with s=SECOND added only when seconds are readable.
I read h=5 m=23
